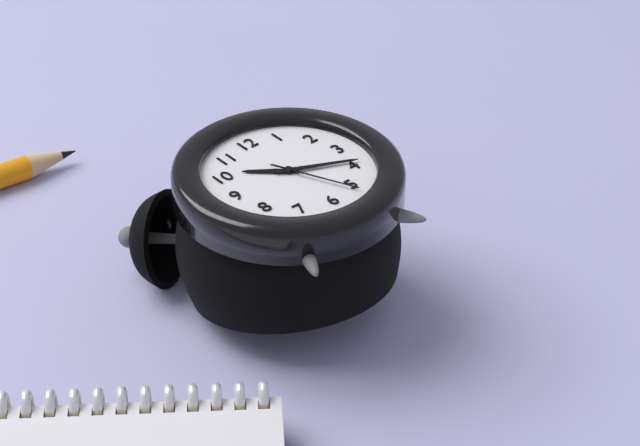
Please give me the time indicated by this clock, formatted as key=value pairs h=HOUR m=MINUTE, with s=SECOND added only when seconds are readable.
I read h=10 m=19 s=26
